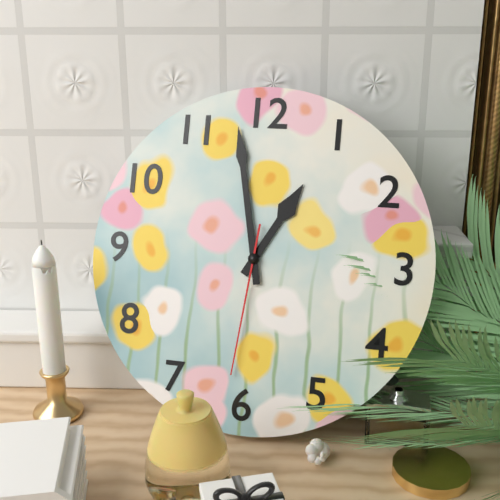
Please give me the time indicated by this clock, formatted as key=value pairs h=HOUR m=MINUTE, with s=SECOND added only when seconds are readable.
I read h=12 m=58 s=31
